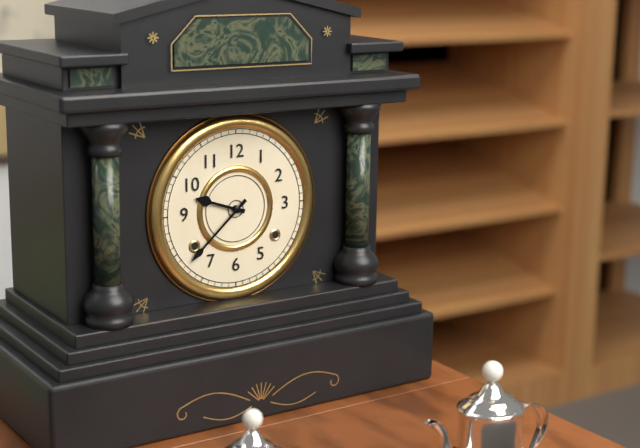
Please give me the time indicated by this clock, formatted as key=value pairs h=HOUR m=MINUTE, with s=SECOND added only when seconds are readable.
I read h=9 m=38
